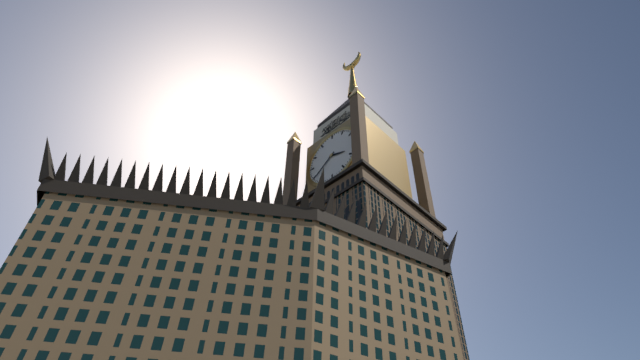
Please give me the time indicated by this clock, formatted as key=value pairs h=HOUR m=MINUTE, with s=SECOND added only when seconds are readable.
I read h=3 m=39
